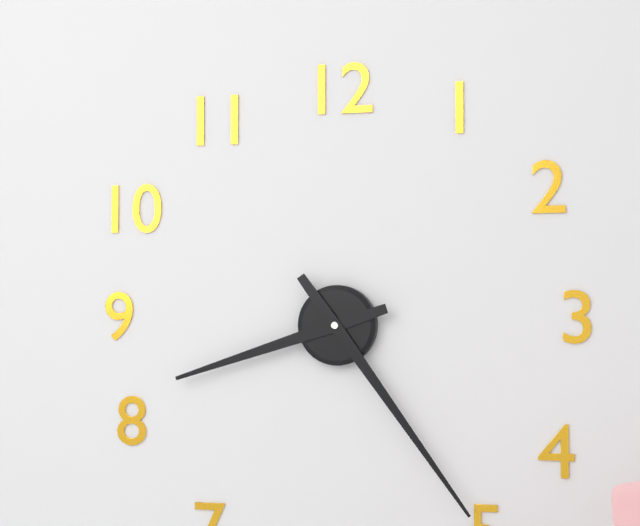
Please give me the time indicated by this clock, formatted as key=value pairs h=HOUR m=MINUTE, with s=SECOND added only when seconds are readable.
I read h=8 m=24
